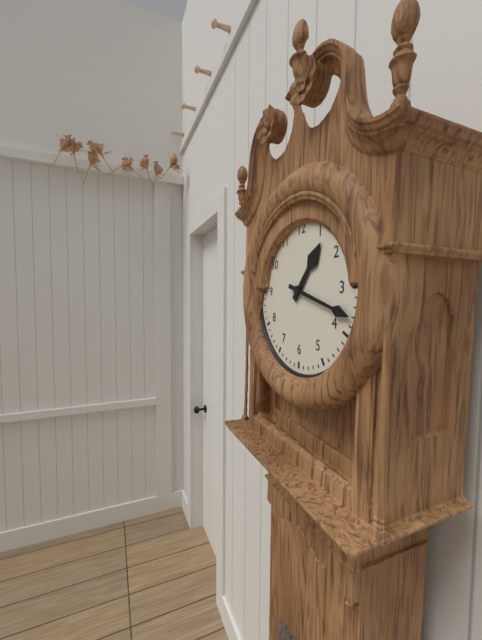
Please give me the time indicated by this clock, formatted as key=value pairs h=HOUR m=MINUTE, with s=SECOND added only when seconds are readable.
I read h=1 m=18
